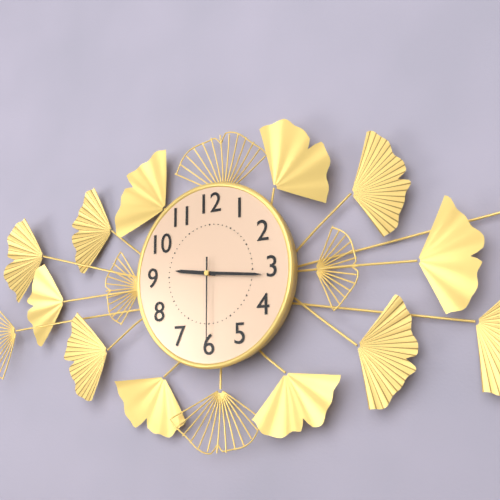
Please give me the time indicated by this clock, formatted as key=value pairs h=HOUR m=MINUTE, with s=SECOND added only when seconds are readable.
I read h=9 m=16 s=30
